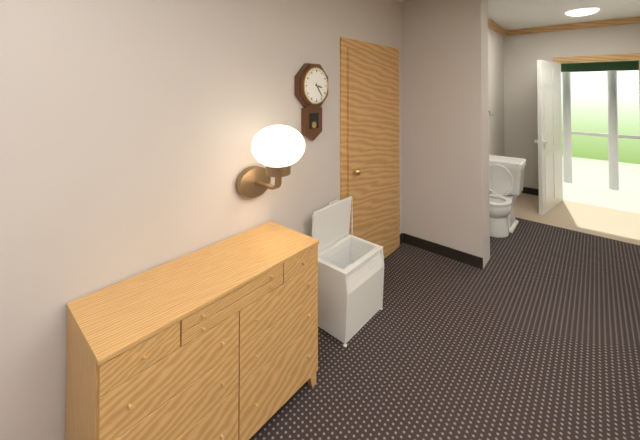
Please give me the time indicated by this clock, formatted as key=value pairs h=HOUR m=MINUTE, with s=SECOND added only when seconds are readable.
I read h=3 m=24
